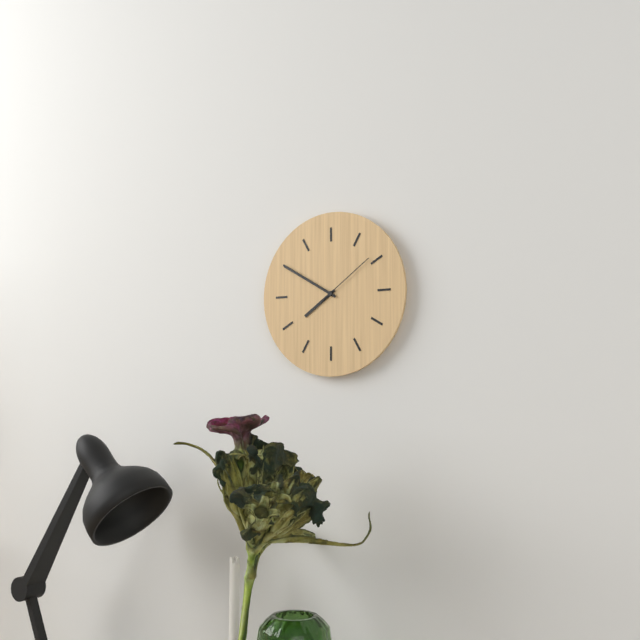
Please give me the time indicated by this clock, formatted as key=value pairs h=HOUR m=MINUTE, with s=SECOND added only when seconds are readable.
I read h=7 m=50 s=9
